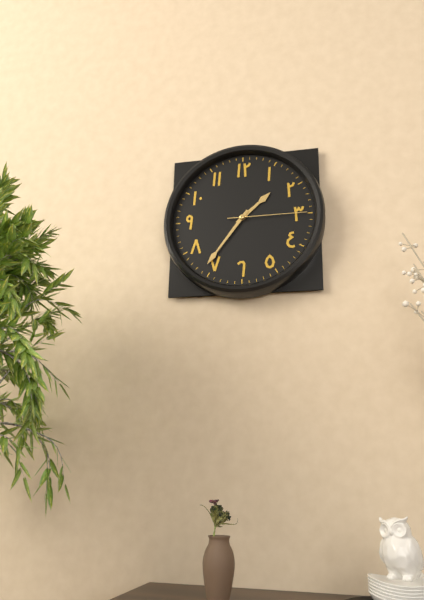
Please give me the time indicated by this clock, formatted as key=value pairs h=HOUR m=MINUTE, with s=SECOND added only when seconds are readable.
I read h=1 m=36 s=15
